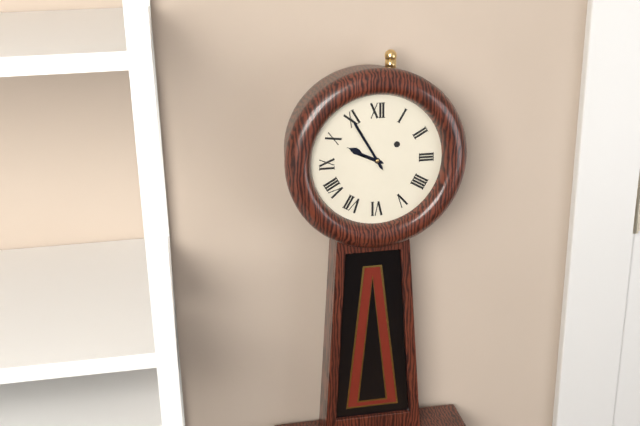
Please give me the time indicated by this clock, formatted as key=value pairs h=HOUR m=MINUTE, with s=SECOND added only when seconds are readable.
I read h=9 m=55
